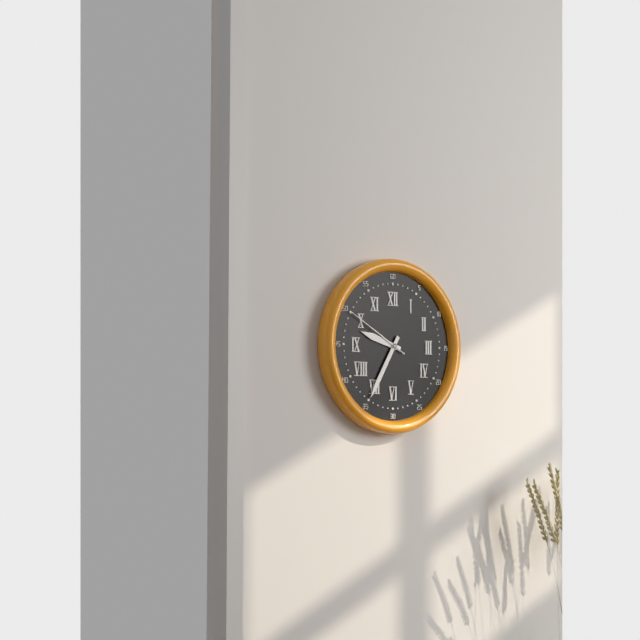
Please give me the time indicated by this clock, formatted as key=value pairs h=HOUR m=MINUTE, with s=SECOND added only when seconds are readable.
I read h=9 m=35 s=50
